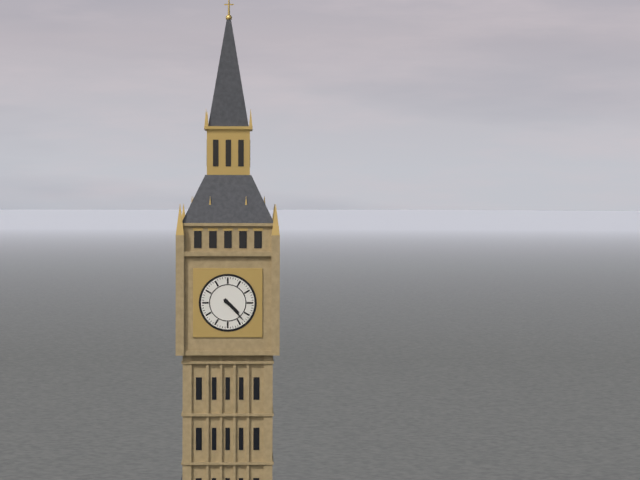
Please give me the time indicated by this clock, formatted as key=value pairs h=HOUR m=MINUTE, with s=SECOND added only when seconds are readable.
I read h=4 m=23
